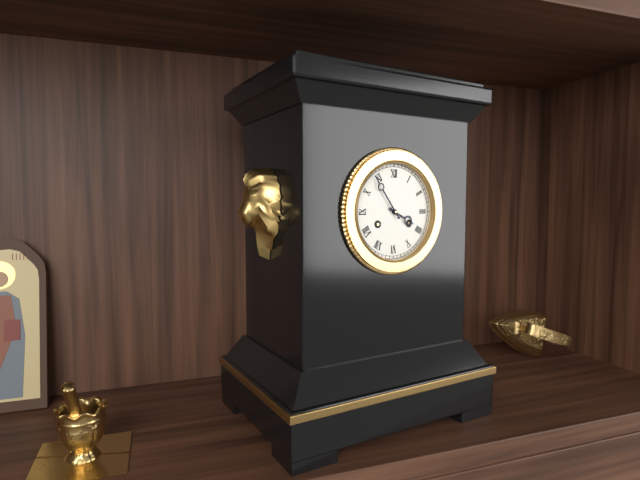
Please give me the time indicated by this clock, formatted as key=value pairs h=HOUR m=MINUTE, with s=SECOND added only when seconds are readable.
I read h=3 m=54
